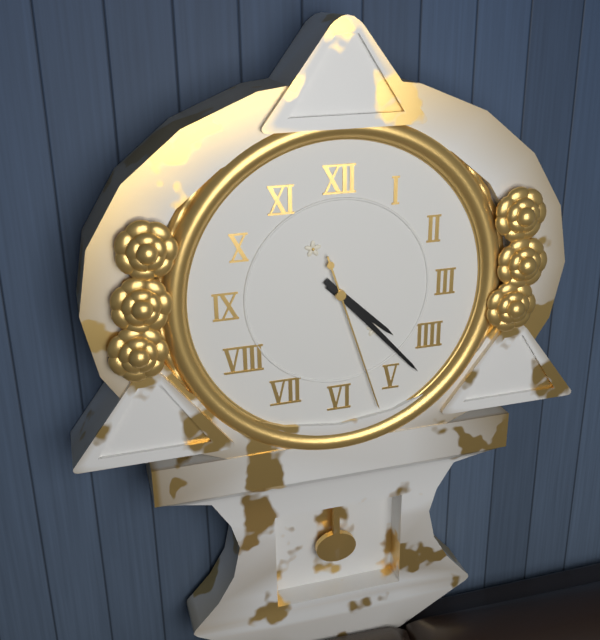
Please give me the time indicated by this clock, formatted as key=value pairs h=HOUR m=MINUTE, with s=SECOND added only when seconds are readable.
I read h=4 m=23 s=27
